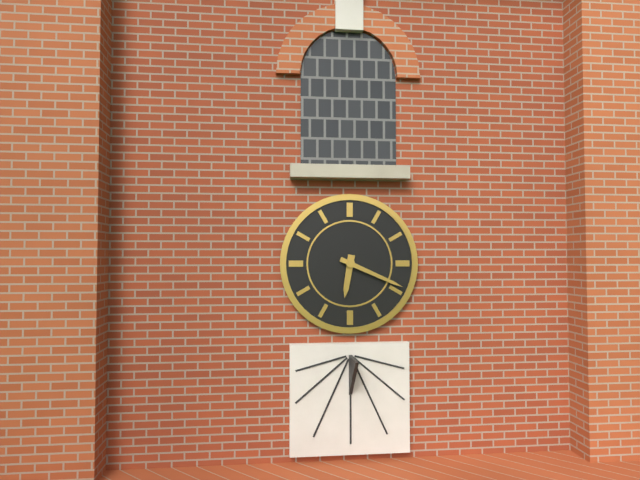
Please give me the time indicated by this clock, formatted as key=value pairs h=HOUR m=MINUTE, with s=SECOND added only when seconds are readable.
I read h=6 m=19
